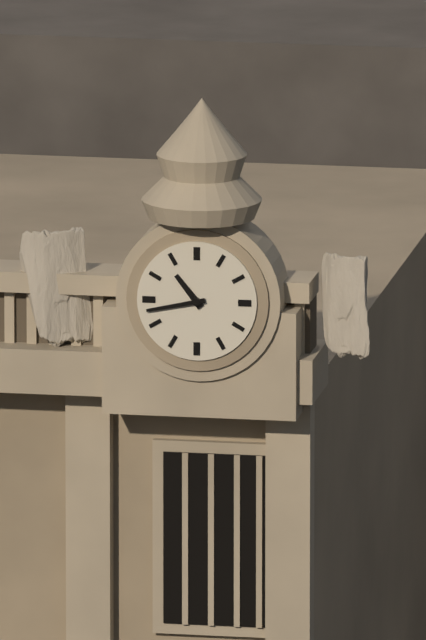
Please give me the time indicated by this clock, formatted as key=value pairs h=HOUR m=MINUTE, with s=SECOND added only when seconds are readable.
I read h=10 m=43
